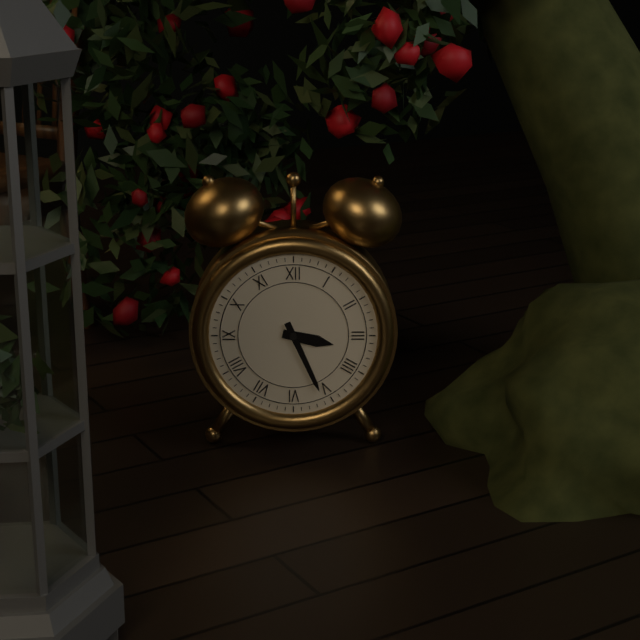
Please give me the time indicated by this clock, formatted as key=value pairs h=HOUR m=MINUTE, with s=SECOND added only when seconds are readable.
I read h=3 m=26
